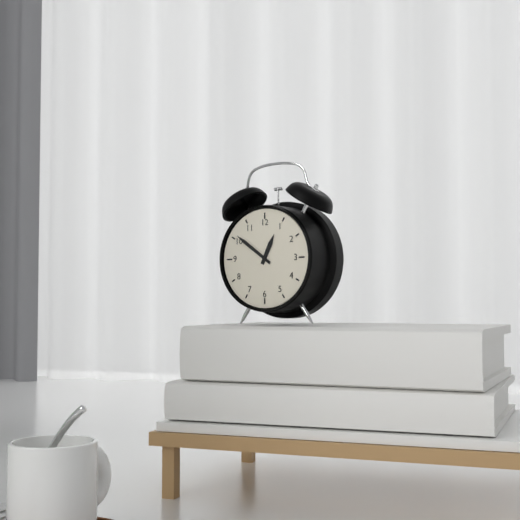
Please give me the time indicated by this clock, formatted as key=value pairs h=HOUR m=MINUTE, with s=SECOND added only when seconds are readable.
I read h=12 m=51
